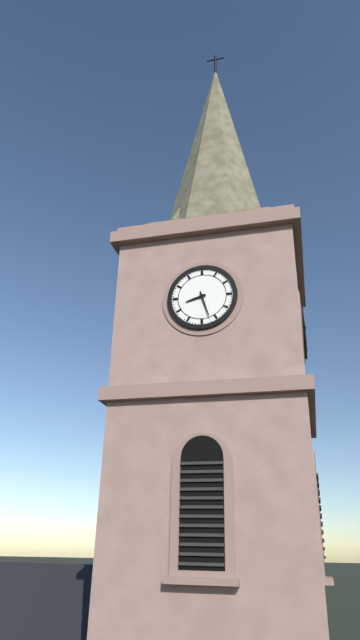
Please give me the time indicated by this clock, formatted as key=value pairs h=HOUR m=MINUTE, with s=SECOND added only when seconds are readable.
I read h=8 m=27
